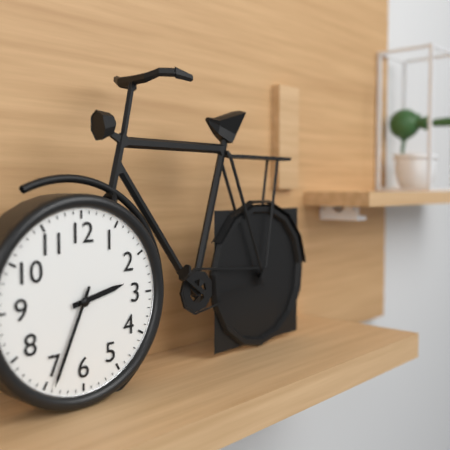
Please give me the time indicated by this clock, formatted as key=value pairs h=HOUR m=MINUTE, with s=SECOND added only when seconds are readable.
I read h=2 m=34
